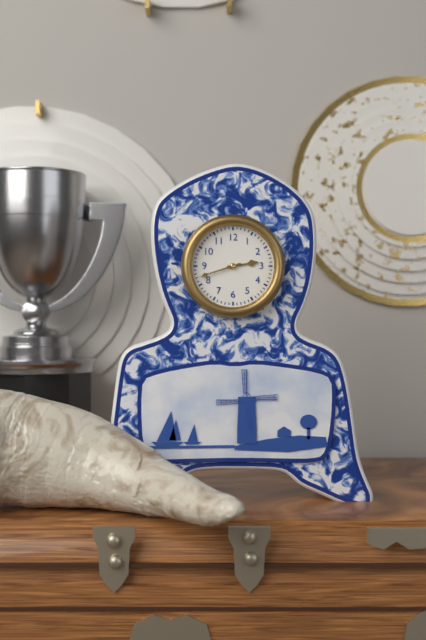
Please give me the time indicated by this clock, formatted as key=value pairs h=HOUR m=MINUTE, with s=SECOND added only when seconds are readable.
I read h=2 m=42
